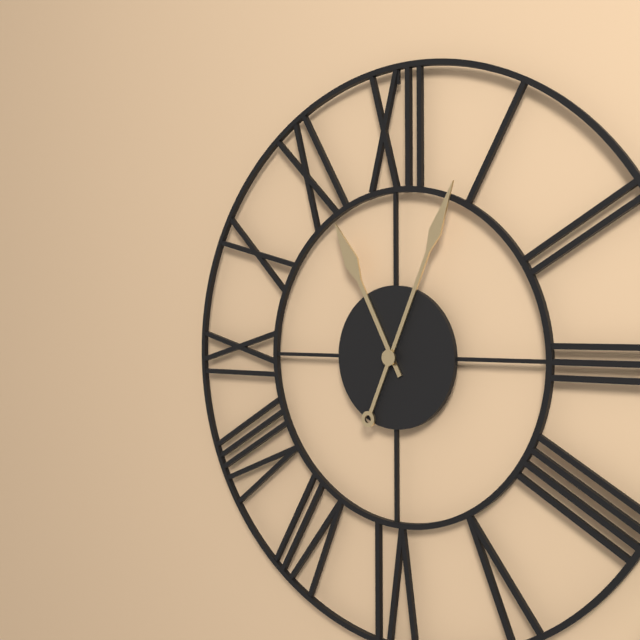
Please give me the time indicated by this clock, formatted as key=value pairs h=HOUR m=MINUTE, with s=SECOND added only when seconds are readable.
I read h=11 m=4
